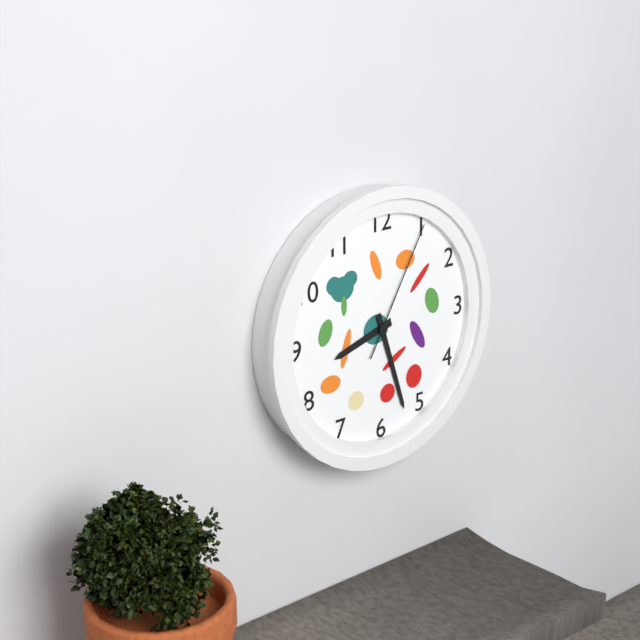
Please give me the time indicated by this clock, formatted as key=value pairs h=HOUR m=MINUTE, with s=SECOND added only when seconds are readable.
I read h=8 m=27 s=5
